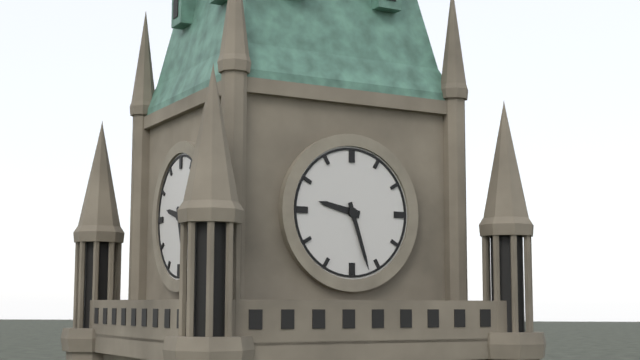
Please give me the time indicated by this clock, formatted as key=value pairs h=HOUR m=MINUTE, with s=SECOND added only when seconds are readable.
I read h=9 m=27
